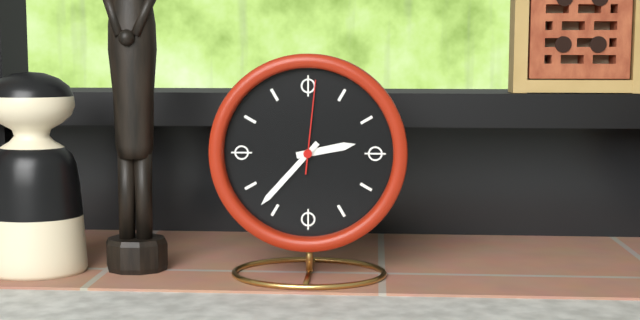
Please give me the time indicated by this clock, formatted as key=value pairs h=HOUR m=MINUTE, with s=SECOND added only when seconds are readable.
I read h=2 m=37 s=1
